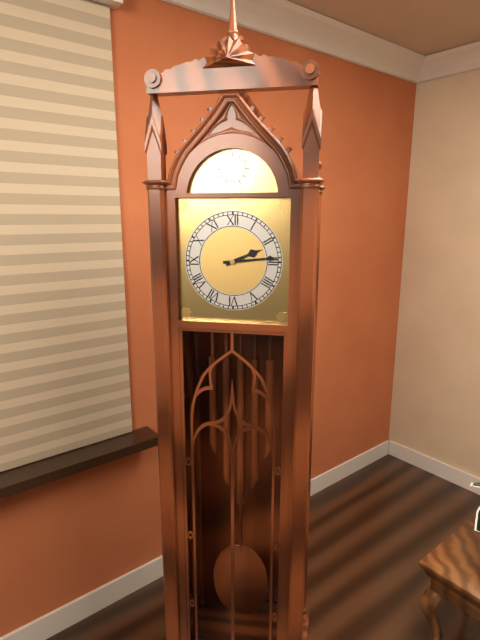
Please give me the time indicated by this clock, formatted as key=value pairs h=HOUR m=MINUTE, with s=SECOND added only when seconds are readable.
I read h=2 m=14
